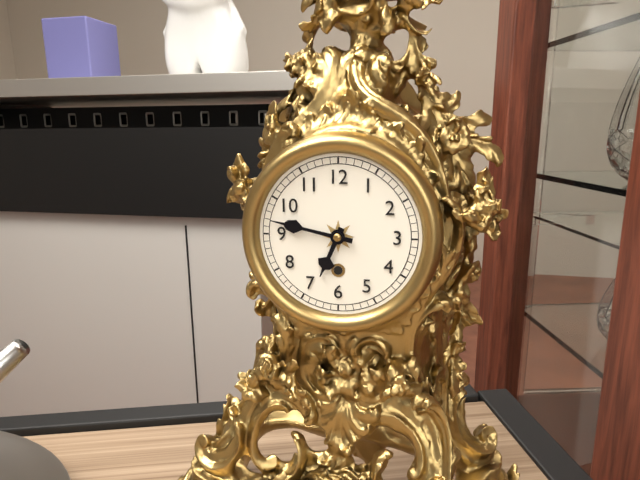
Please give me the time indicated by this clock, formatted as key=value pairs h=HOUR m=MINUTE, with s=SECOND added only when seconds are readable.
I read h=6 m=47
